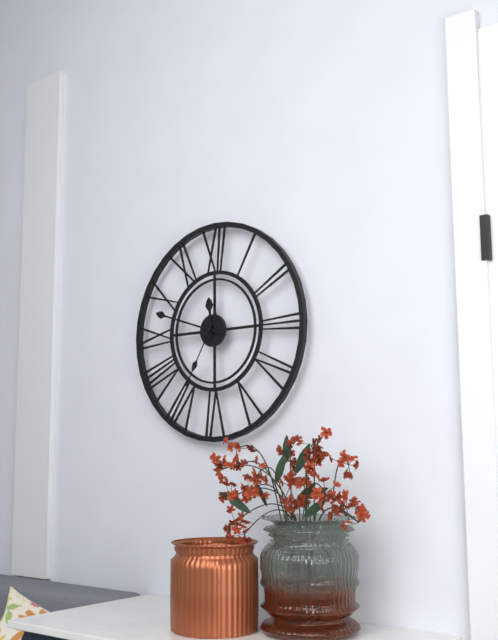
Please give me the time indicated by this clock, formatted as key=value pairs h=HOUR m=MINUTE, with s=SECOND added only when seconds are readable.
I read h=11 m=48 s=35
